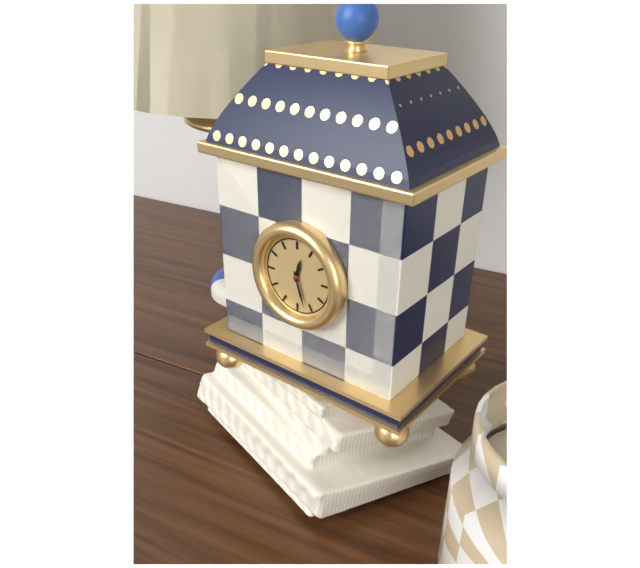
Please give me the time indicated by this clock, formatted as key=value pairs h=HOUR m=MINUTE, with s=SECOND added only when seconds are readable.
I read h=12 m=27
